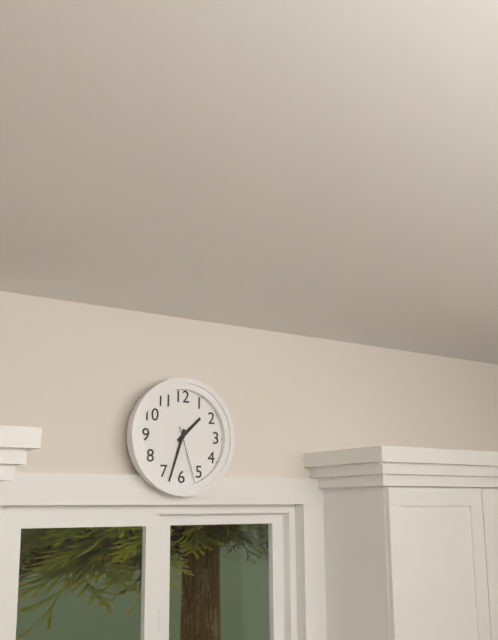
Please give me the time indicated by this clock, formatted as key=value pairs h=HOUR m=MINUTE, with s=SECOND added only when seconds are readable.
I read h=1 m=33 s=27
